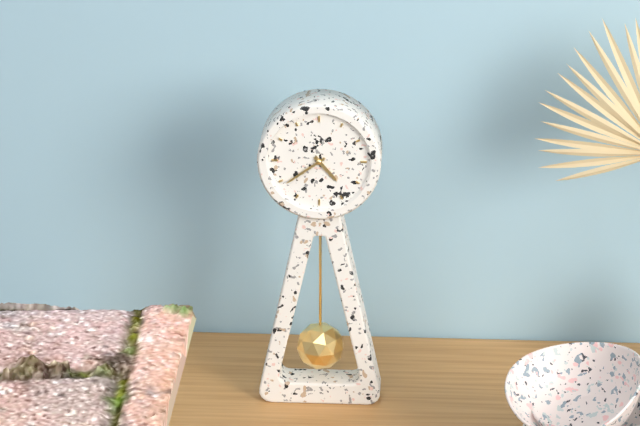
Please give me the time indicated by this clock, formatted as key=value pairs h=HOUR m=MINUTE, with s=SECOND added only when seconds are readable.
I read h=4 m=39
